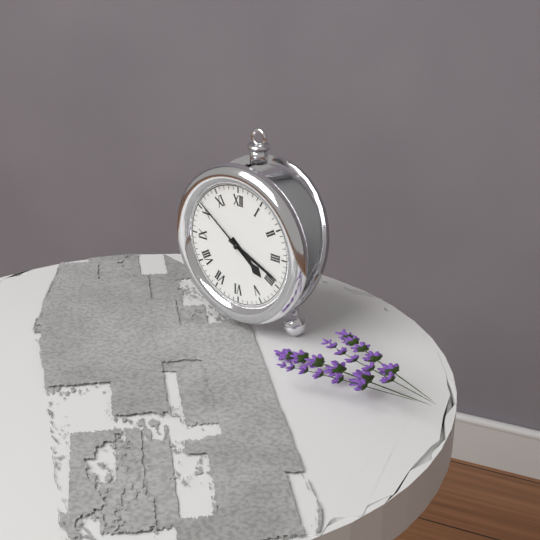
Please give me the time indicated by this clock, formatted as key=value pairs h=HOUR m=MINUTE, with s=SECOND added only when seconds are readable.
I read h=4 m=19 s=51
